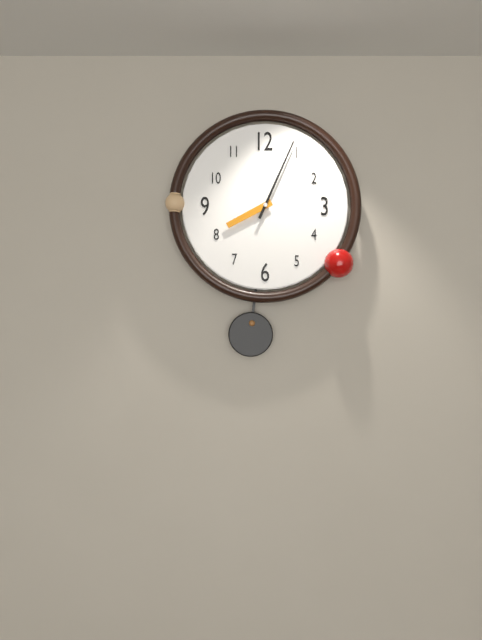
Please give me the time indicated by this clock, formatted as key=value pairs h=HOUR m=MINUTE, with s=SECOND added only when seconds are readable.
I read h=8 m=4
